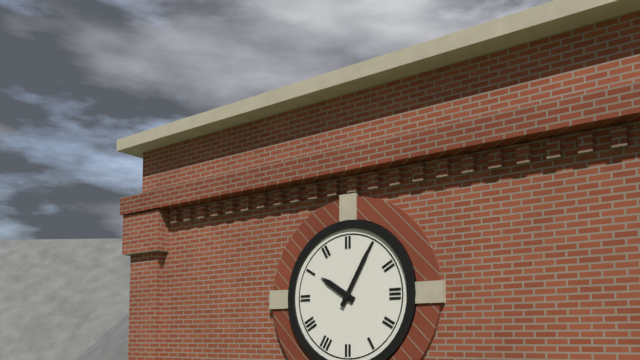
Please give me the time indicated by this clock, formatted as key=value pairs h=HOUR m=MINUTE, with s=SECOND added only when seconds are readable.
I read h=10 m=5
